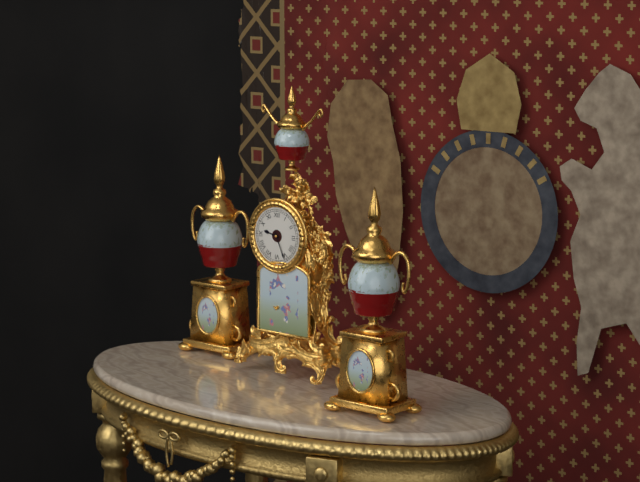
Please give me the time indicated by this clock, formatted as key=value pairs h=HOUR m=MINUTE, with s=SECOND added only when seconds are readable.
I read h=9 m=26
